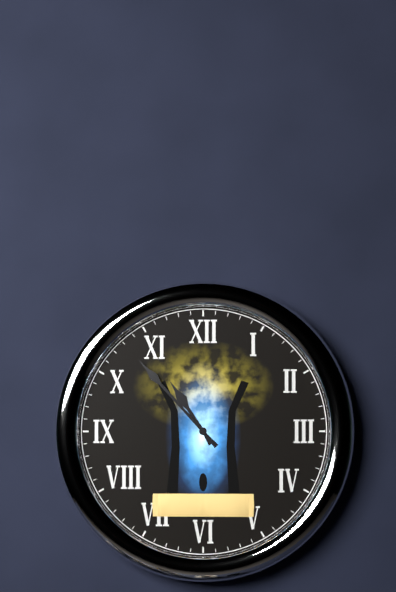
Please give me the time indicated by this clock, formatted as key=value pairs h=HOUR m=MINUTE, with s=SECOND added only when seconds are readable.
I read h=10 m=53
